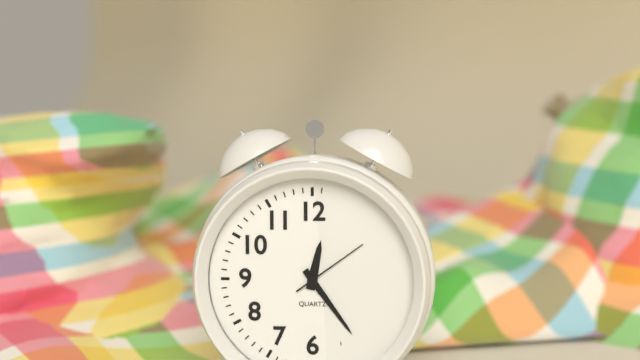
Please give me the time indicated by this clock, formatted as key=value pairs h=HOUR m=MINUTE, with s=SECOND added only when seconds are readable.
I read h=12 m=24 s=9
